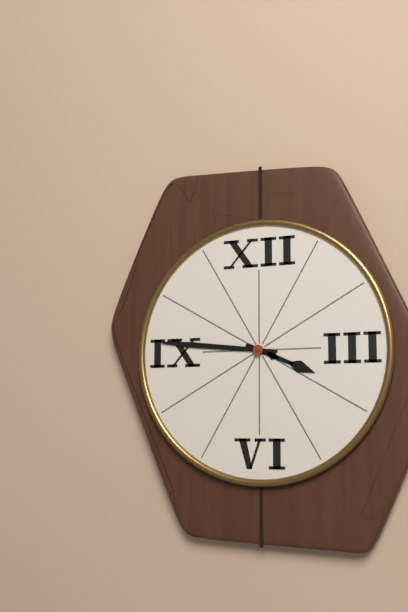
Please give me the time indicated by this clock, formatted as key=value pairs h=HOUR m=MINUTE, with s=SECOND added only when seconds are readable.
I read h=3 m=46
